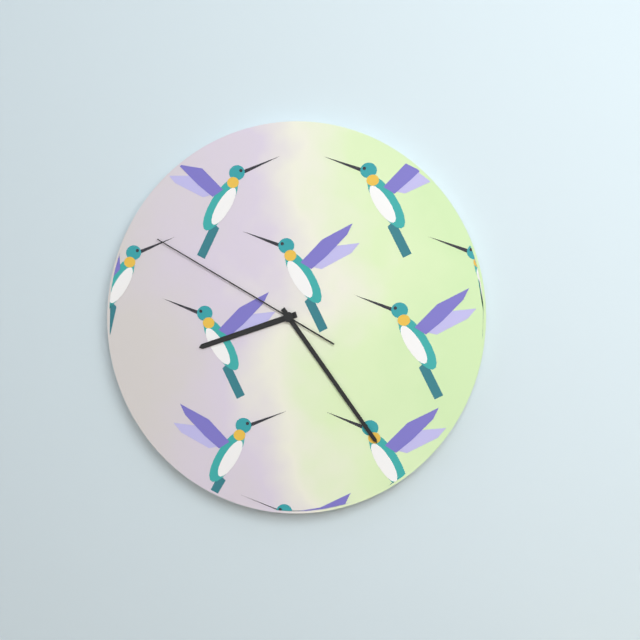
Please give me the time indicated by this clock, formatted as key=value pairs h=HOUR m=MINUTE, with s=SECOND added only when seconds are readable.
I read h=8 m=24 s=50
